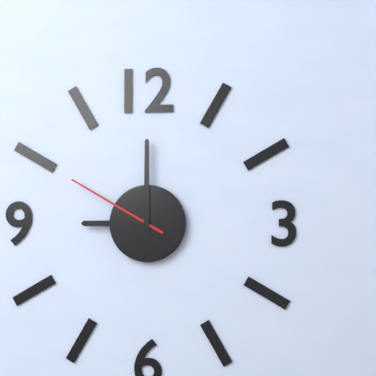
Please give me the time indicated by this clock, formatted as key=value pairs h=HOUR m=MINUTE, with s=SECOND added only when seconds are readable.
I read h=9 m=0 s=50
